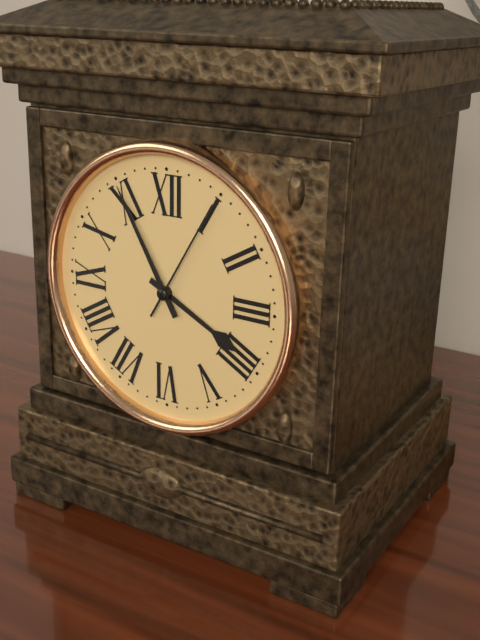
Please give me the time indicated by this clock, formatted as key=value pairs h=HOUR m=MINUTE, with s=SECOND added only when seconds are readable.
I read h=3 m=55 s=5
